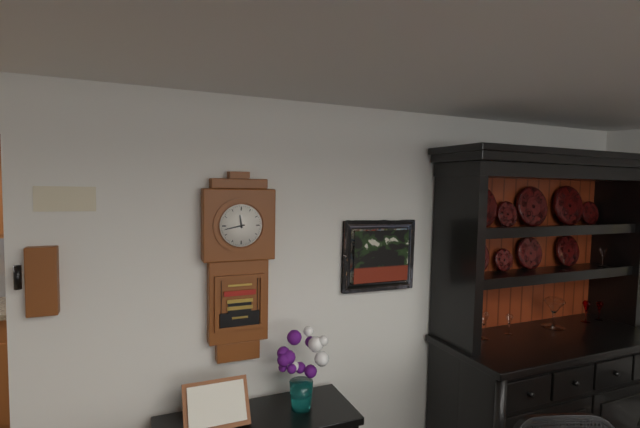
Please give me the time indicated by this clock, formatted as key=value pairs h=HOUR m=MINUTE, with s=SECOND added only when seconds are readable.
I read h=11 m=43
